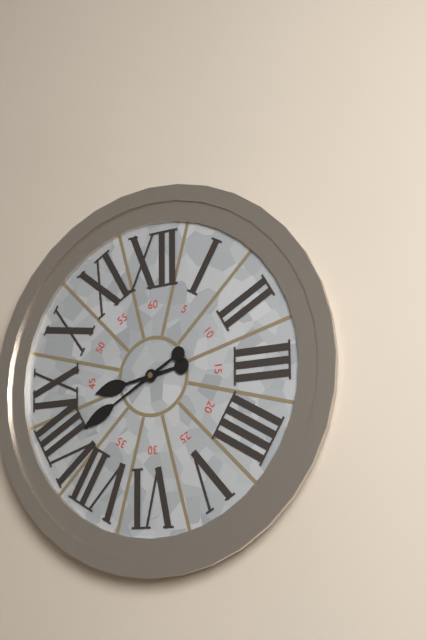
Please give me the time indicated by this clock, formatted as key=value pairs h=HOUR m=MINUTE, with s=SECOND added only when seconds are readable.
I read h=8 m=40
